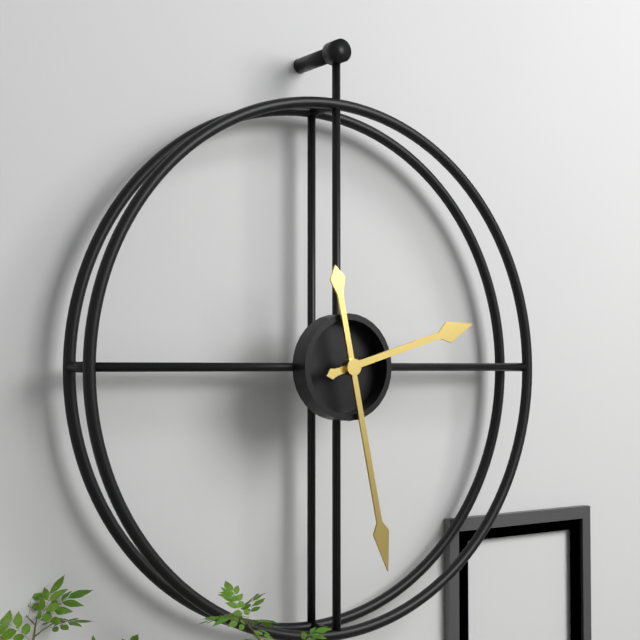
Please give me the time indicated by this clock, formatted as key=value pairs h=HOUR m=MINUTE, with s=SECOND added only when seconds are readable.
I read h=2 m=28
